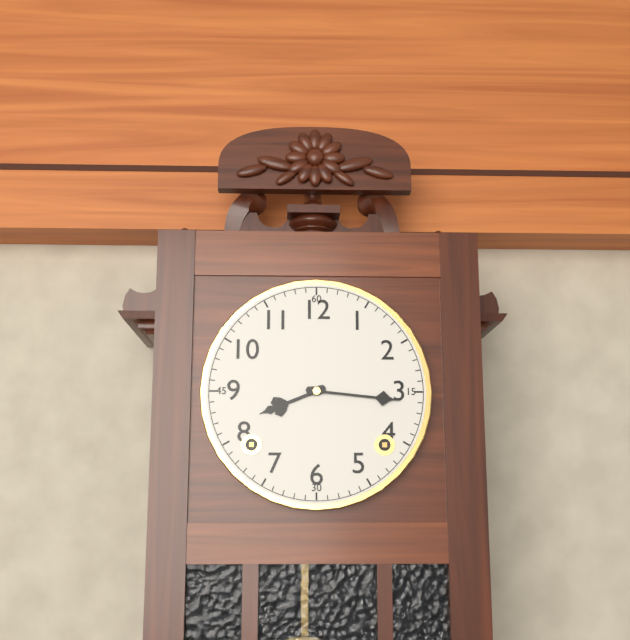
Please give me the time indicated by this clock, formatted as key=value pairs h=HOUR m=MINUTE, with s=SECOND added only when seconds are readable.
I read h=8 m=16
